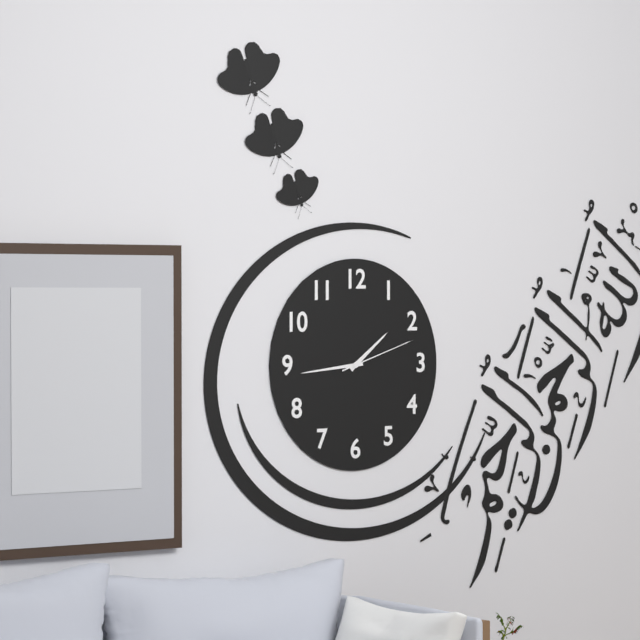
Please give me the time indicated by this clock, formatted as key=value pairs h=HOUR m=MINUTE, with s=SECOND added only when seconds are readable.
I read h=1 m=44 s=12
